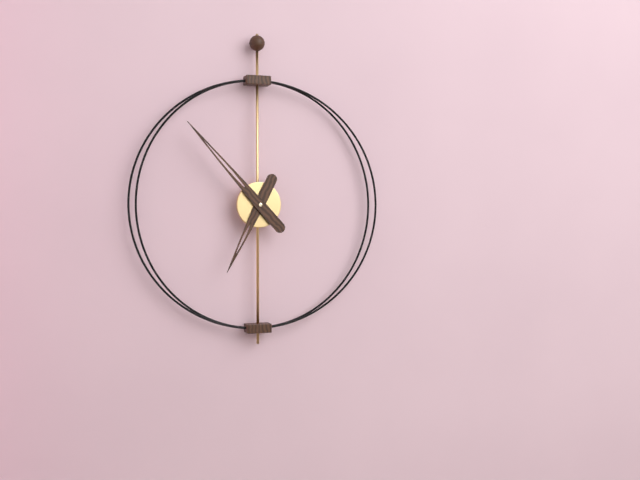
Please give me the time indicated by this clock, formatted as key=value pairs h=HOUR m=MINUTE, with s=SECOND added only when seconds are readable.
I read h=6 m=53
